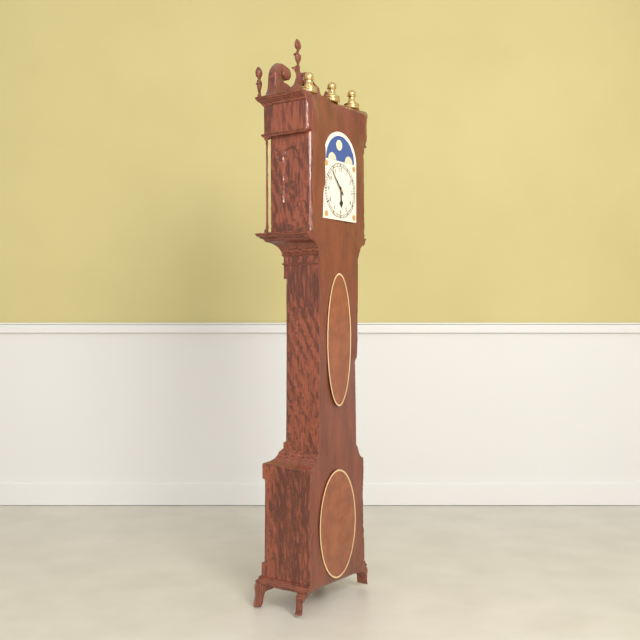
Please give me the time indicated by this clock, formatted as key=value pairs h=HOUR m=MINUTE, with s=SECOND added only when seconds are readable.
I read h=5 m=53
